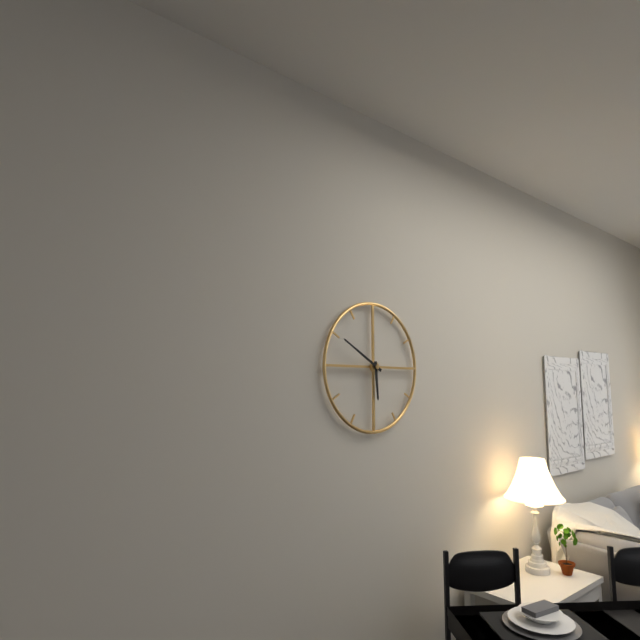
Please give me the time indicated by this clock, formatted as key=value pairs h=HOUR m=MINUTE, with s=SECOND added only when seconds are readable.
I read h=5 m=50
